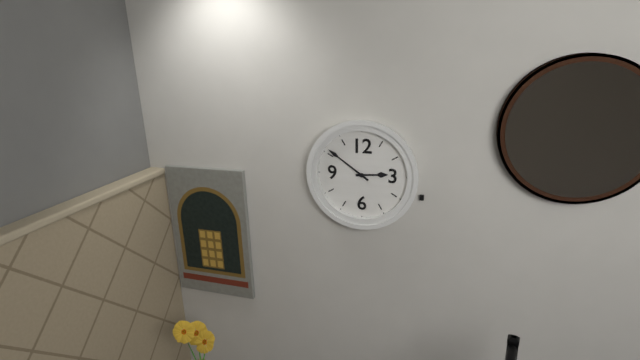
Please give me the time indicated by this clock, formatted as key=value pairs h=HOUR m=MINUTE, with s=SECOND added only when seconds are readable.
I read h=2 m=51
